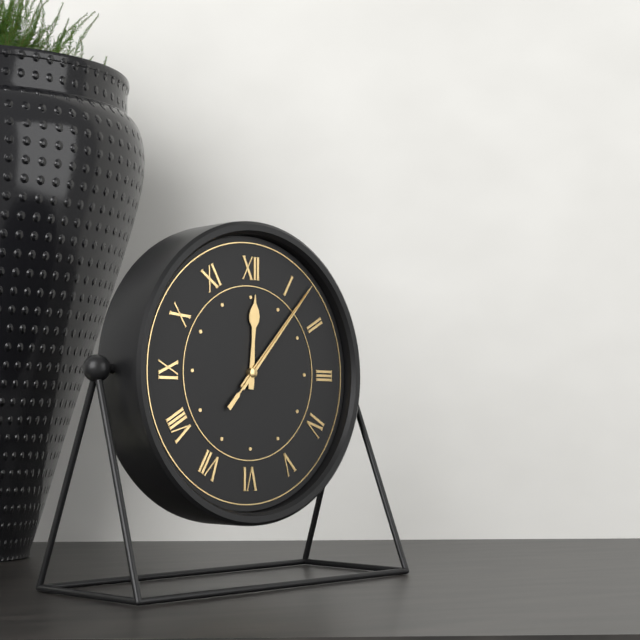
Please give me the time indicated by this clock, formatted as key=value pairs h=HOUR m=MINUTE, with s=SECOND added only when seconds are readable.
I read h=12 m=7 s=7
